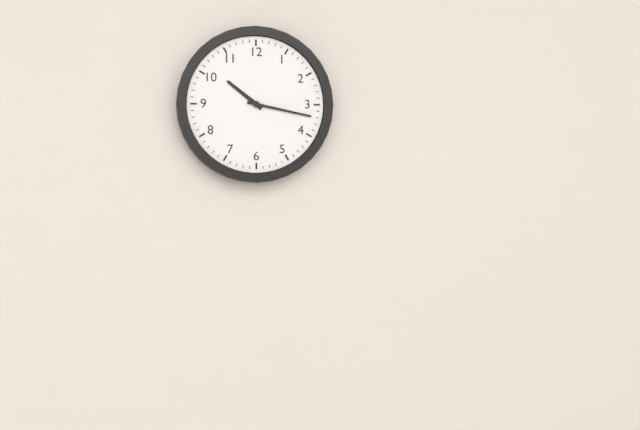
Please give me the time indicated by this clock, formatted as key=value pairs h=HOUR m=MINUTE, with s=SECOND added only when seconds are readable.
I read h=10 m=17
